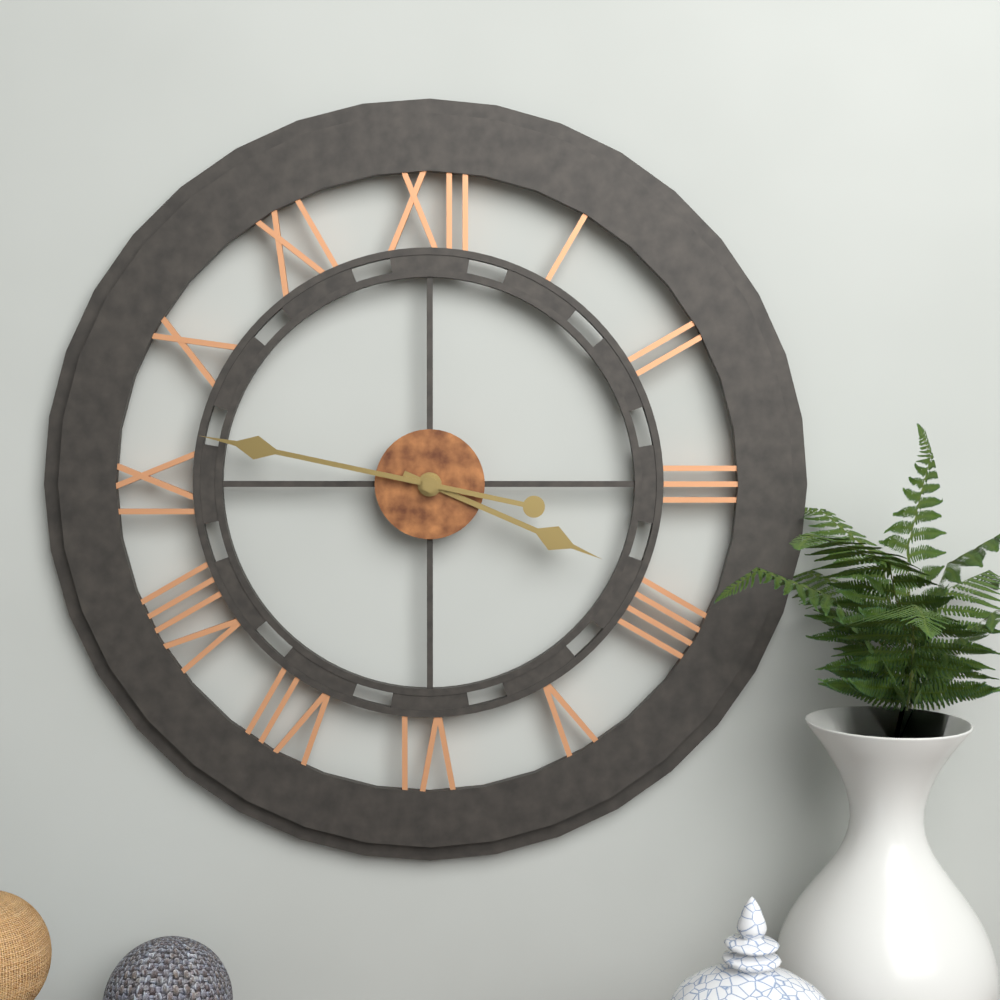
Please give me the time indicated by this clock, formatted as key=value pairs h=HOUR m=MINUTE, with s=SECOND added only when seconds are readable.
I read h=3 m=47
